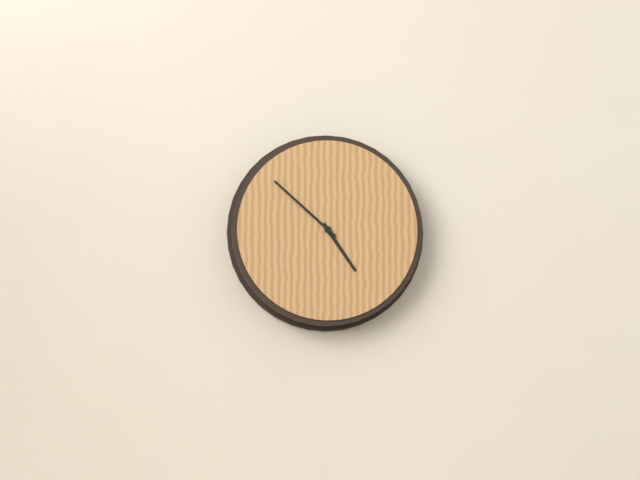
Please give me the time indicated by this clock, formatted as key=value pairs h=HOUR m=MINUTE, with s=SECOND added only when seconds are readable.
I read h=4 m=52
